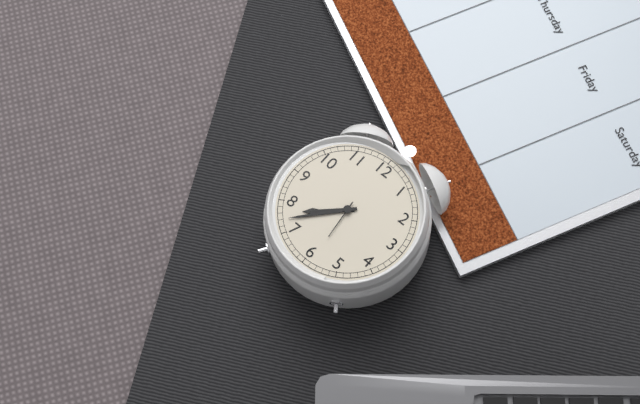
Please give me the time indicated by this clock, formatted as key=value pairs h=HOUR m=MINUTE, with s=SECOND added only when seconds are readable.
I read h=7 m=37
